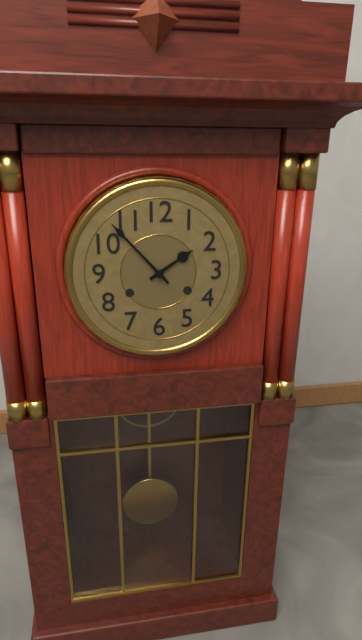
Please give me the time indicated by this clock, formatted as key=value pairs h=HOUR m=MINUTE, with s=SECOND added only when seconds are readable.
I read h=1 m=53
